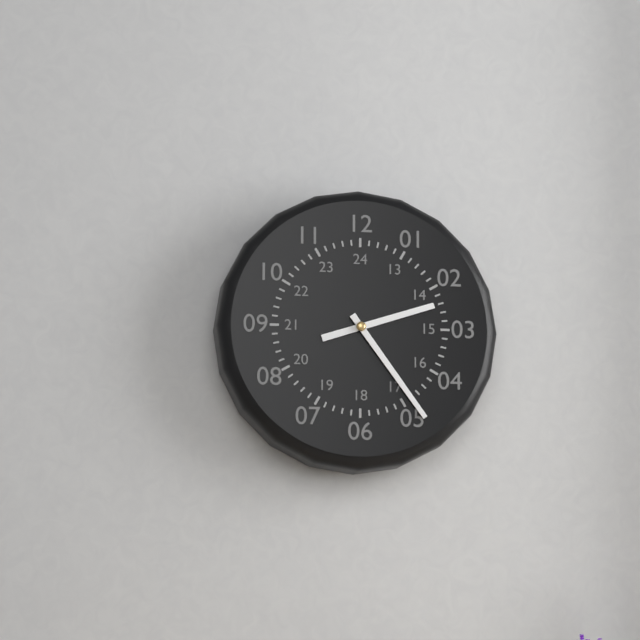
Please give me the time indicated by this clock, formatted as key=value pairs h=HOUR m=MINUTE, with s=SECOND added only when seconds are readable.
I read h=2 m=24
